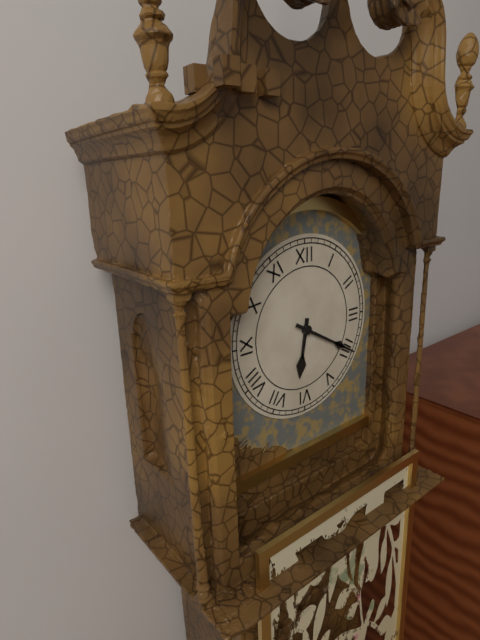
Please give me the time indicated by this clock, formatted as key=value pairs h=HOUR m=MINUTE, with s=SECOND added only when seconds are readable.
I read h=6 m=20
